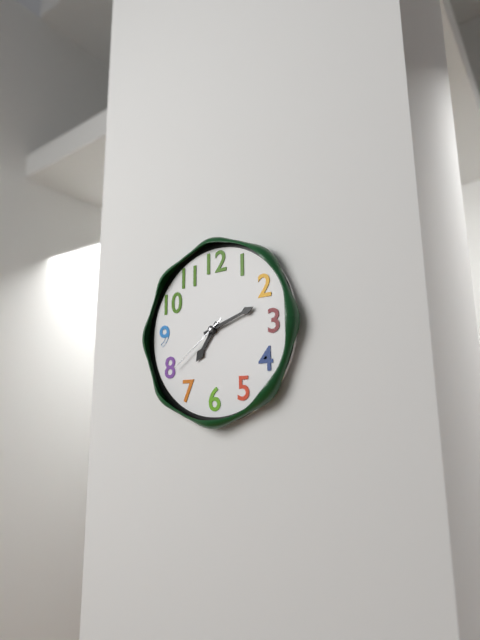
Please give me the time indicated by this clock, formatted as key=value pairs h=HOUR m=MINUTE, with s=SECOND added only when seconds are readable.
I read h=7 m=12 s=39
